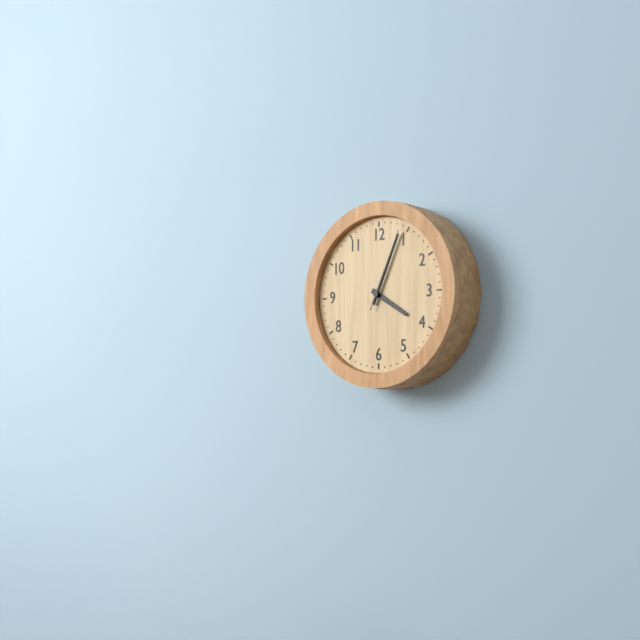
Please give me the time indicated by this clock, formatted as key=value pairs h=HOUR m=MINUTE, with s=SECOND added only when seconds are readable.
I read h=4 m=4 s=4
